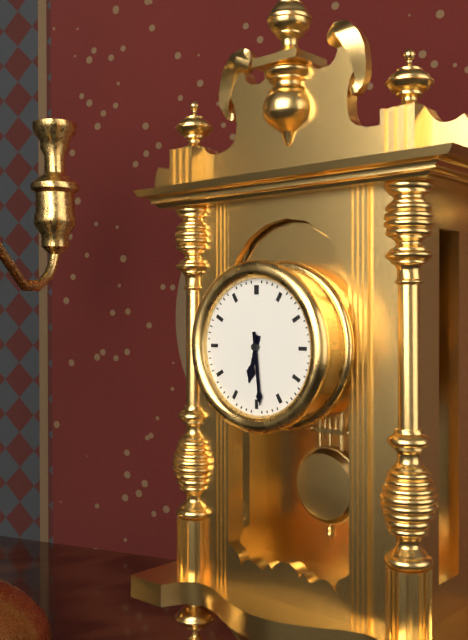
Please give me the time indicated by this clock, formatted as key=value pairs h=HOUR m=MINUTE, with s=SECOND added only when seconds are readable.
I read h=6 m=29
